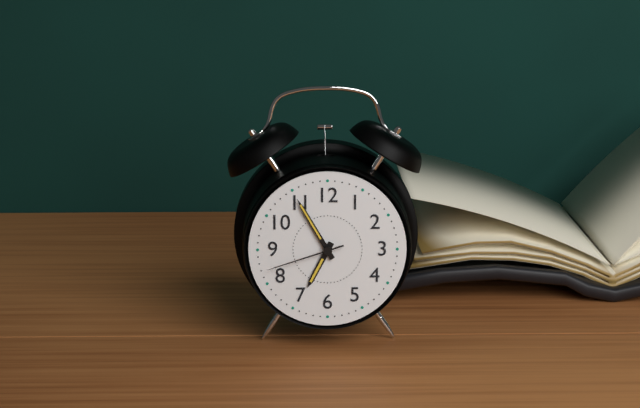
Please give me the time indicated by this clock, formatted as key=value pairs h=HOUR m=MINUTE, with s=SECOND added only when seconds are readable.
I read h=6 m=55 s=42
